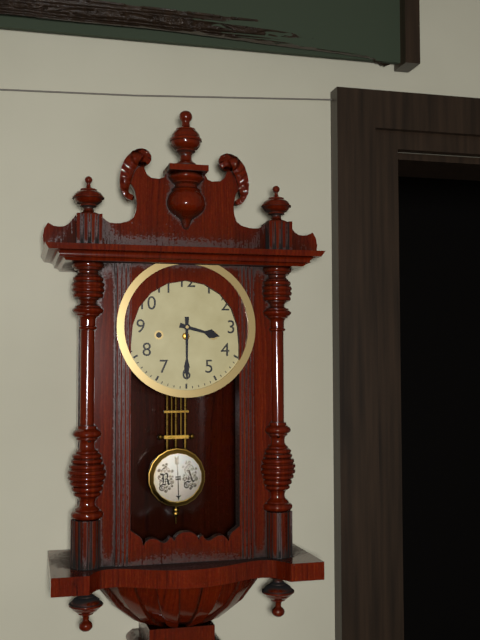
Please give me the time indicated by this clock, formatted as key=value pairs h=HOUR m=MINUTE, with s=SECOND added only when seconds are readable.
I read h=3 m=30
